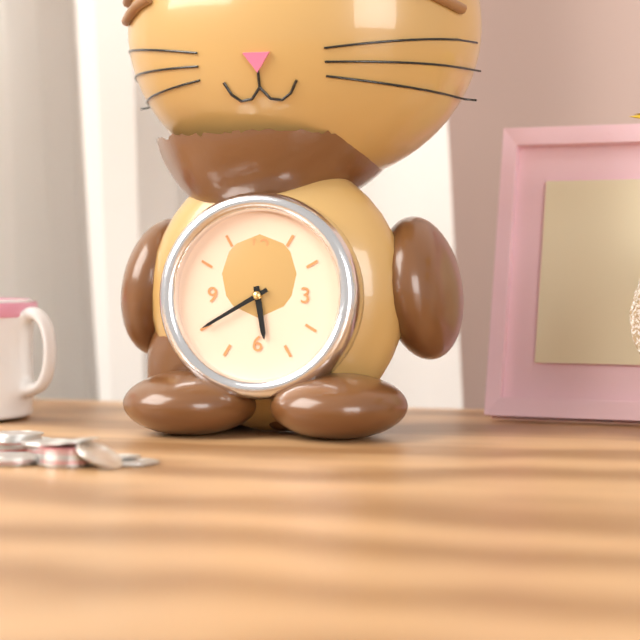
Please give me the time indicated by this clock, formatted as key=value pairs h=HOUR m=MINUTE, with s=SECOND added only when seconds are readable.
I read h=5 m=40
